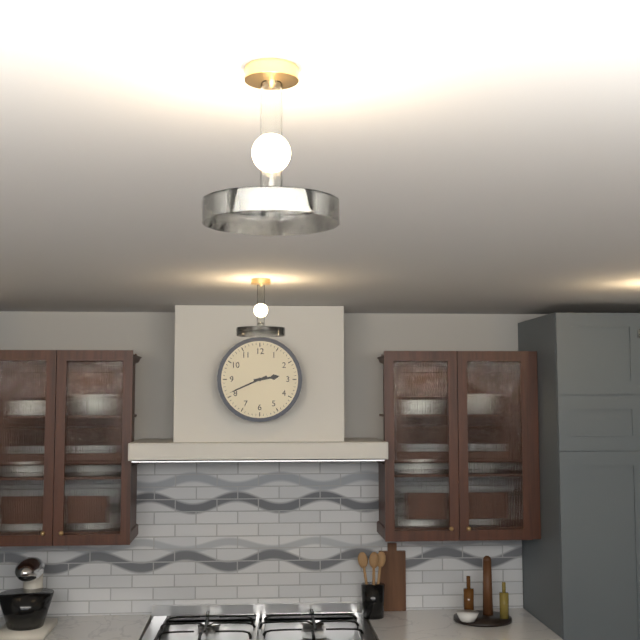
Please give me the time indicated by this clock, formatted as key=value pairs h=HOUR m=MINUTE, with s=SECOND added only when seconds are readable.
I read h=2 m=41
